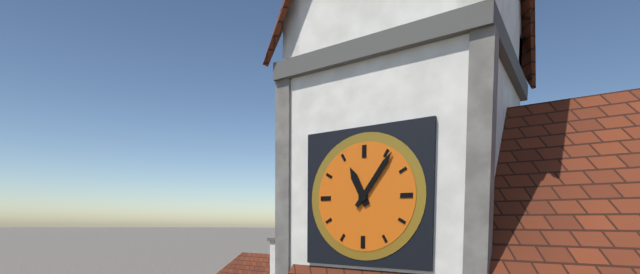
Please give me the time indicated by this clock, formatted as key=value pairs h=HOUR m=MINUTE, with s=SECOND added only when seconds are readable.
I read h=11 m=6
